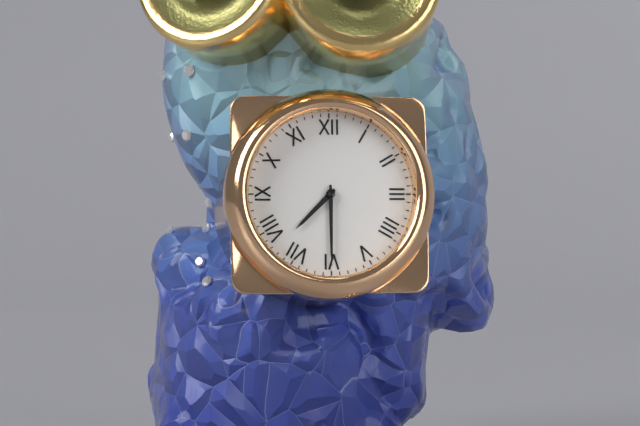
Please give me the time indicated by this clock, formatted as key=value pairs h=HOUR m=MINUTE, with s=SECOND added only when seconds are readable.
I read h=7 m=30
